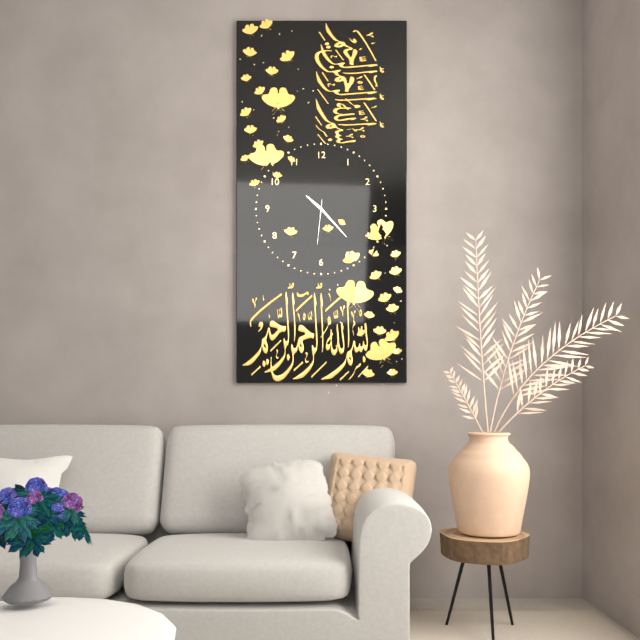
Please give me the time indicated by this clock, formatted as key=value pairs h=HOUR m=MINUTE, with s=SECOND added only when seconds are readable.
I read h=10 m=23
